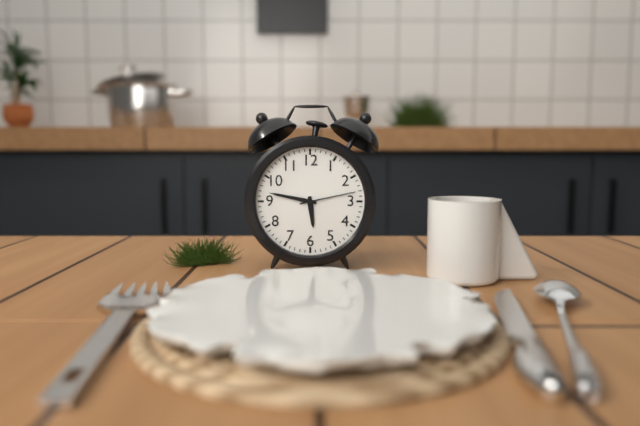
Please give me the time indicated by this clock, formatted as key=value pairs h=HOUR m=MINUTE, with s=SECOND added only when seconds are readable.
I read h=5 m=47 s=13
